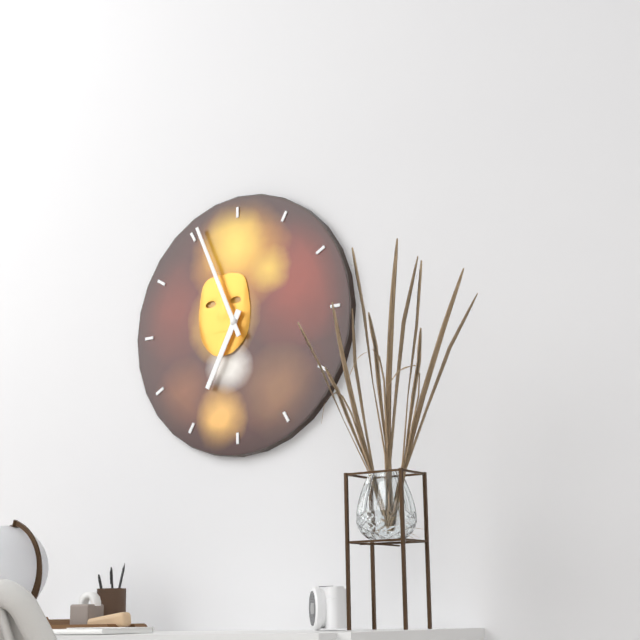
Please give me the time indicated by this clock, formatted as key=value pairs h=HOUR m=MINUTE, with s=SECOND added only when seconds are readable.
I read h=6 m=56
